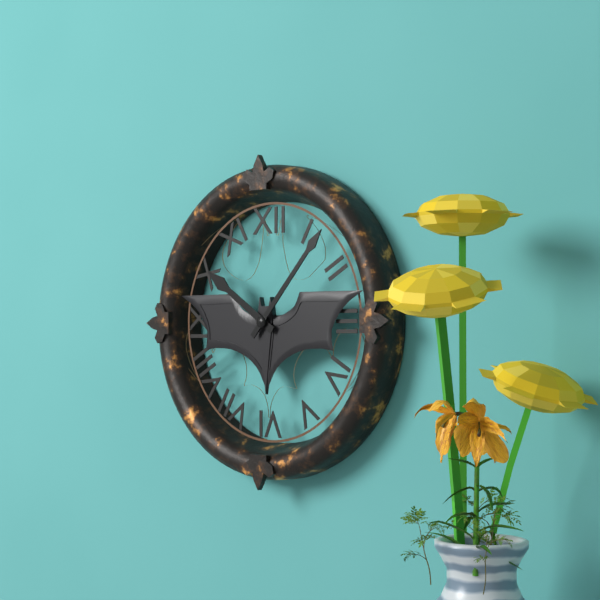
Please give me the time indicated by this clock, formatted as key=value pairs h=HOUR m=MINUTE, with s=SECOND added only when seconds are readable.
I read h=10 m=7
